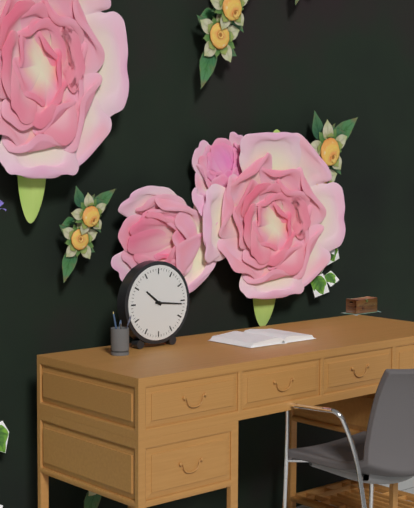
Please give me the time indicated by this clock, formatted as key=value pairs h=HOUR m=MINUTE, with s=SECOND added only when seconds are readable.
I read h=10 m=16
